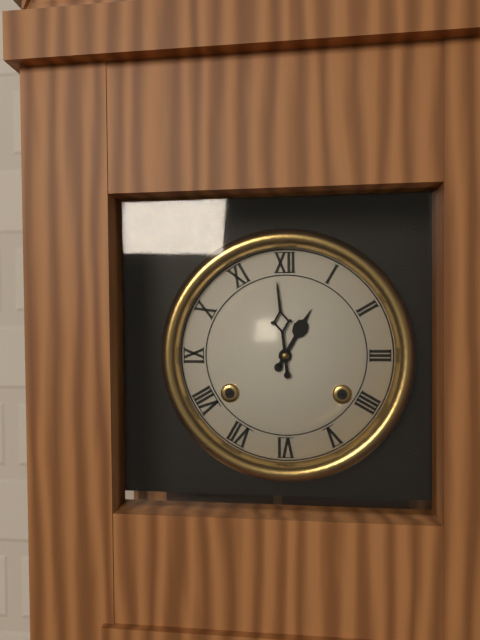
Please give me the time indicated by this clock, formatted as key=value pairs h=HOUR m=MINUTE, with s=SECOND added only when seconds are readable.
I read h=12 m=59
